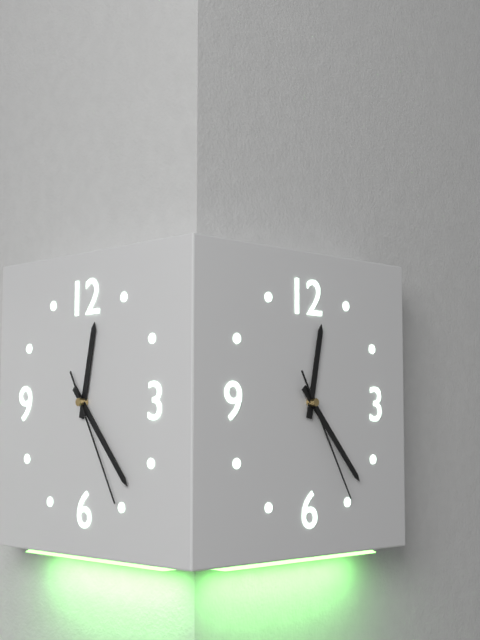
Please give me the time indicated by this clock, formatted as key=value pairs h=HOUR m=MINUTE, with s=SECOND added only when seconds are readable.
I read h=12 m=23 s=25
